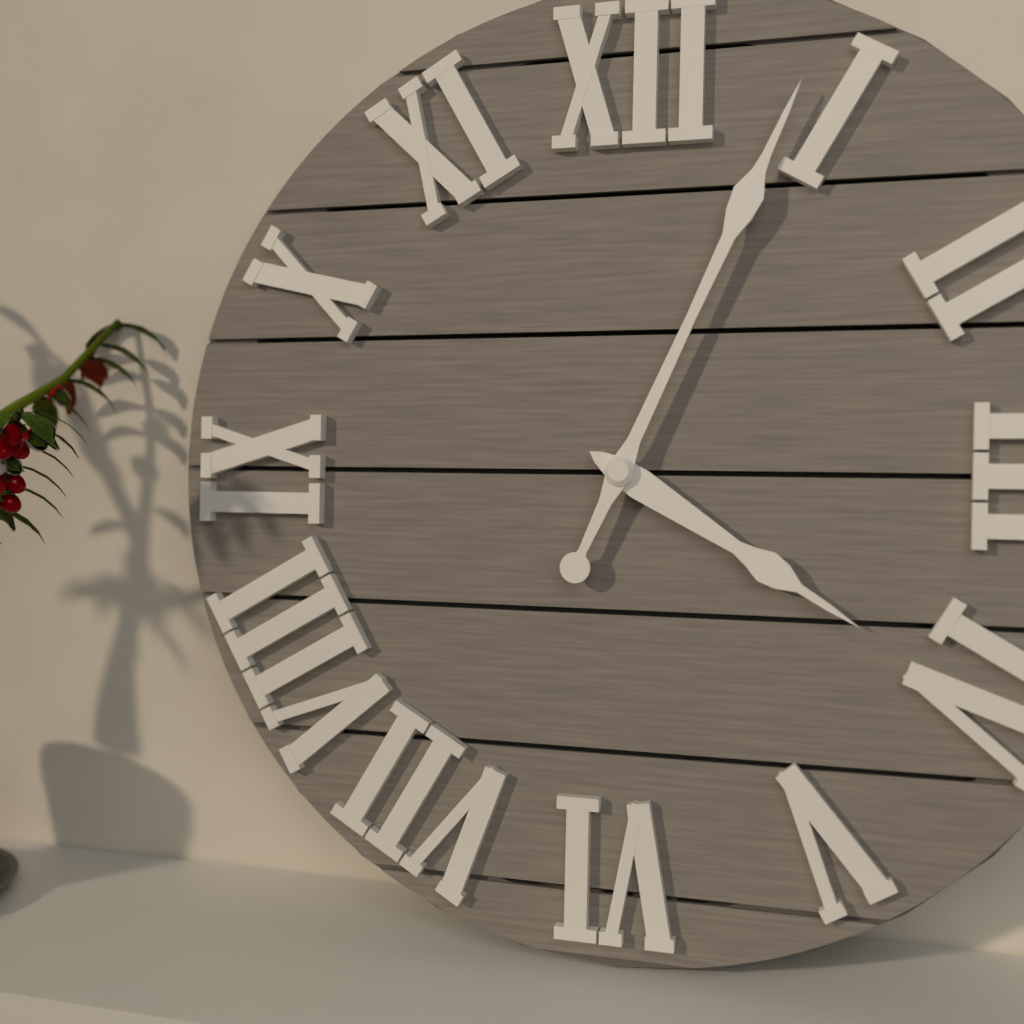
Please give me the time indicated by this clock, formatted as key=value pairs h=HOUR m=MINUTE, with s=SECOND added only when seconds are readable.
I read h=4 m=4
